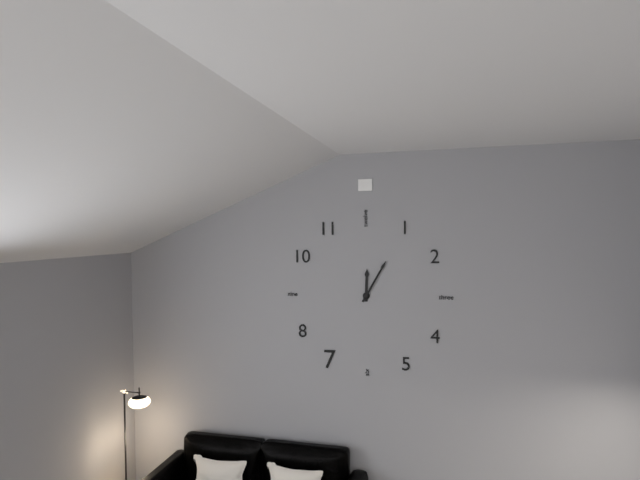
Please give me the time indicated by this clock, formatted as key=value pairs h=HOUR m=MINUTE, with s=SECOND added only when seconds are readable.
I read h=12 m=5
